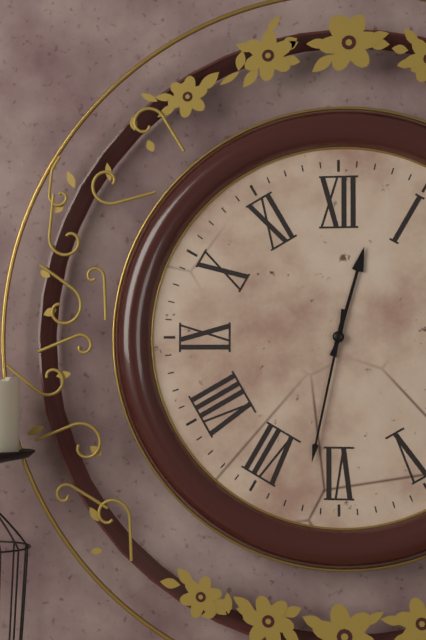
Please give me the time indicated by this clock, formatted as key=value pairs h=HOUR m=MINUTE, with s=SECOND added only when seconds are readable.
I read h=12 m=32
